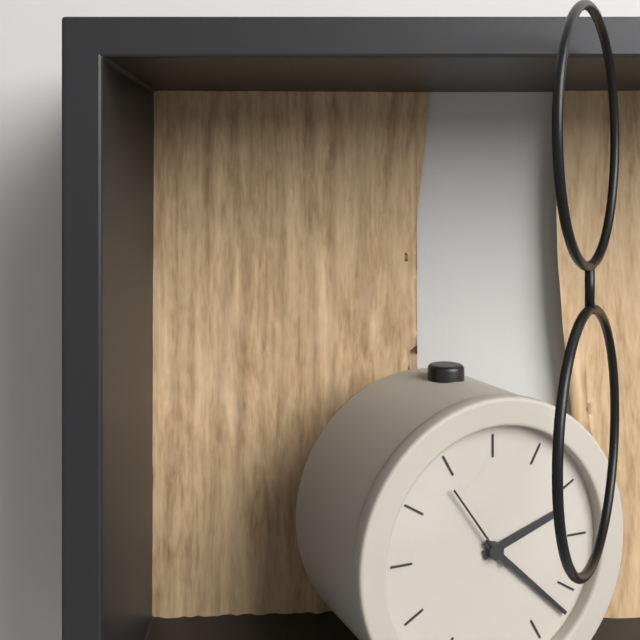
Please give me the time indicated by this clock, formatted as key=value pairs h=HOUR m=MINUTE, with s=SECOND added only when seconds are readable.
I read h=2 m=22 s=54
